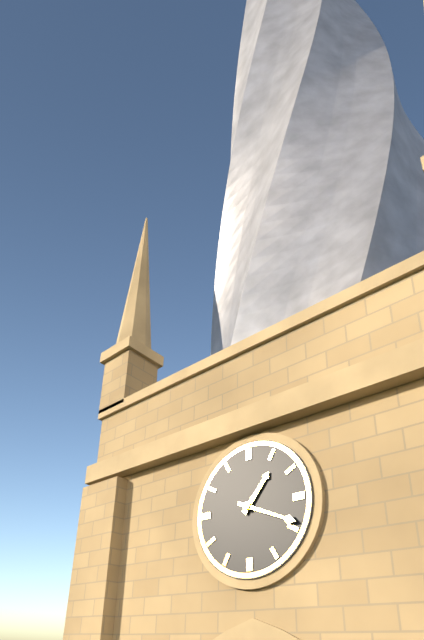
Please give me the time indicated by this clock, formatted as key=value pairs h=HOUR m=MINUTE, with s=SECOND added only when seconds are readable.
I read h=1 m=19
